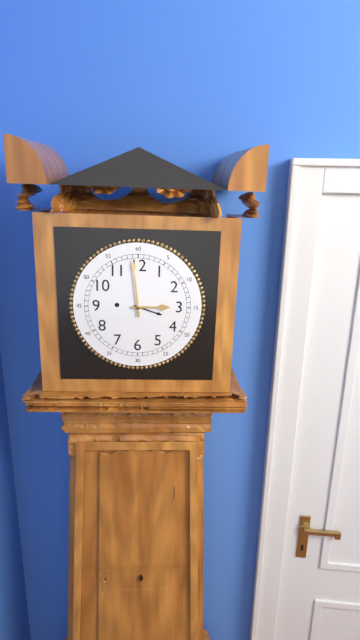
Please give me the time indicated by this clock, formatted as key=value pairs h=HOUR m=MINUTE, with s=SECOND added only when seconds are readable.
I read h=2 m=59
